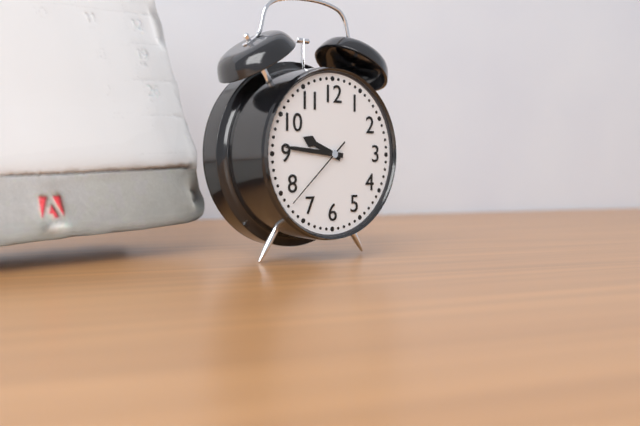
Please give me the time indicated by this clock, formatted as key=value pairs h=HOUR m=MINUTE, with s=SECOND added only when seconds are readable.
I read h=9 m=46 s=38
